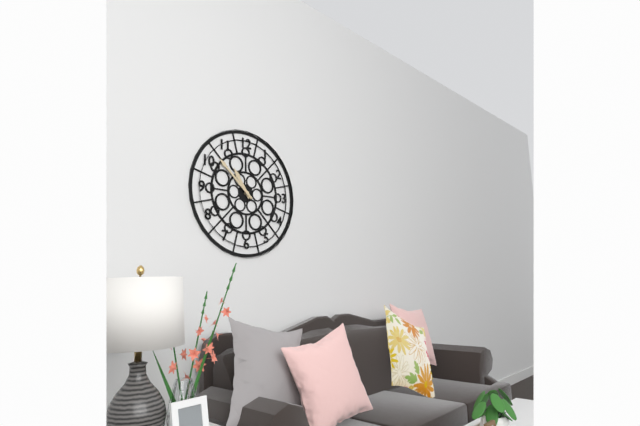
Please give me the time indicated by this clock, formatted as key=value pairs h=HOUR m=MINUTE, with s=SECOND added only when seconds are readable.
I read h=10 m=52
